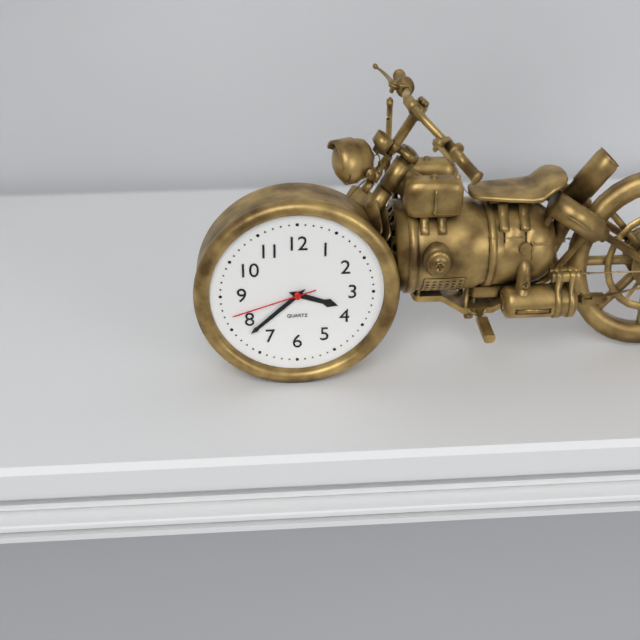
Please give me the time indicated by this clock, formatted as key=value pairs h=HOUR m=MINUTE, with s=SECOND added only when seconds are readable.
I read h=3 m=38 s=42
